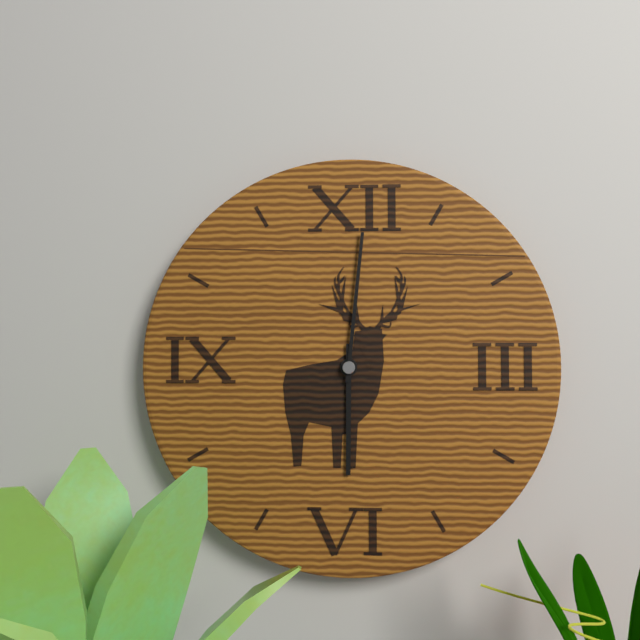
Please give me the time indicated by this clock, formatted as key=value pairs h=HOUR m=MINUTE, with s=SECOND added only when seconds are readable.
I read h=6 m=1
